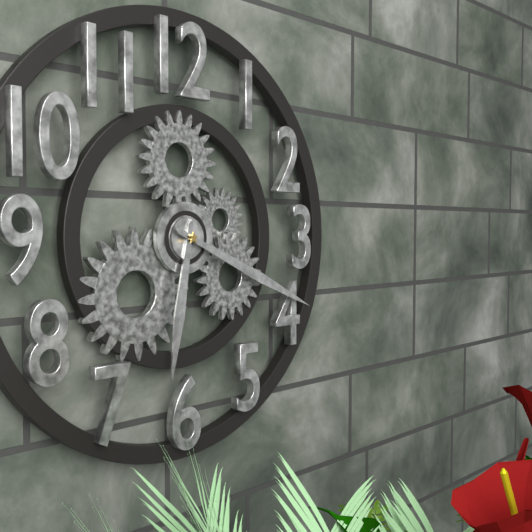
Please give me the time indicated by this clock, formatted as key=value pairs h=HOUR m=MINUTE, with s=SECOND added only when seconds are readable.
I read h=6 m=19
